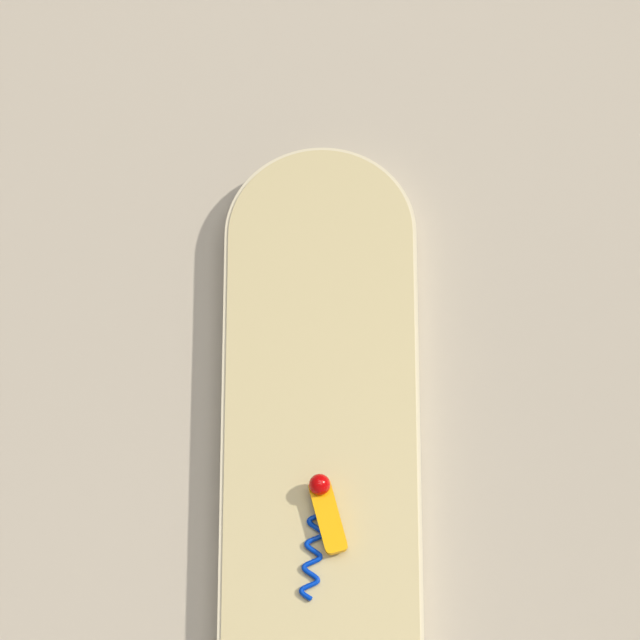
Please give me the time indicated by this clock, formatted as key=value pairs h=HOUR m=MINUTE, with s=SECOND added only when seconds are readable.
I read h=5 m=31
